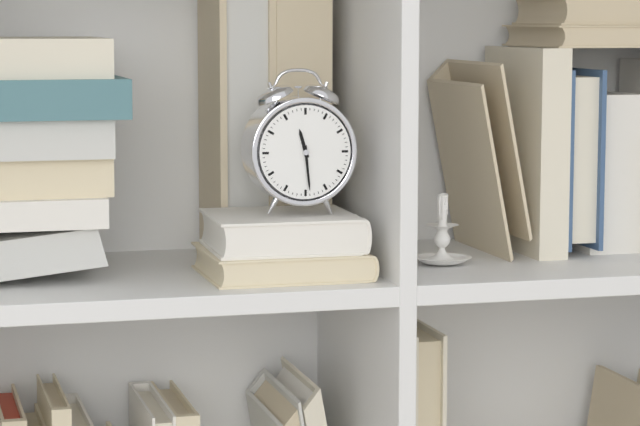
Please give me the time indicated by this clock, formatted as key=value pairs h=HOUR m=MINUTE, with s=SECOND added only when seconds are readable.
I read h=11 m=29
